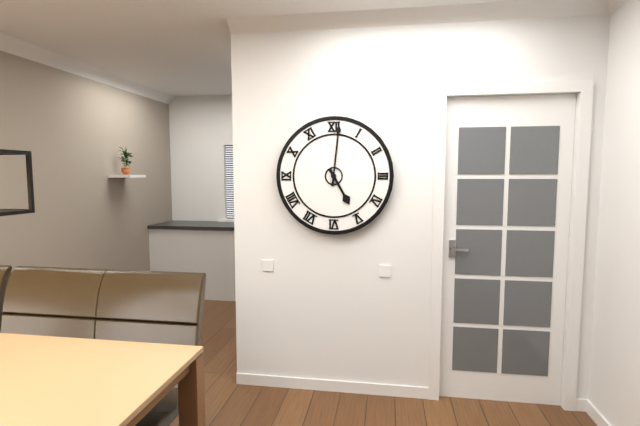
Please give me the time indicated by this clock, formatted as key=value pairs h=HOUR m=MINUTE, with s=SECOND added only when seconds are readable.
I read h=5 m=1
